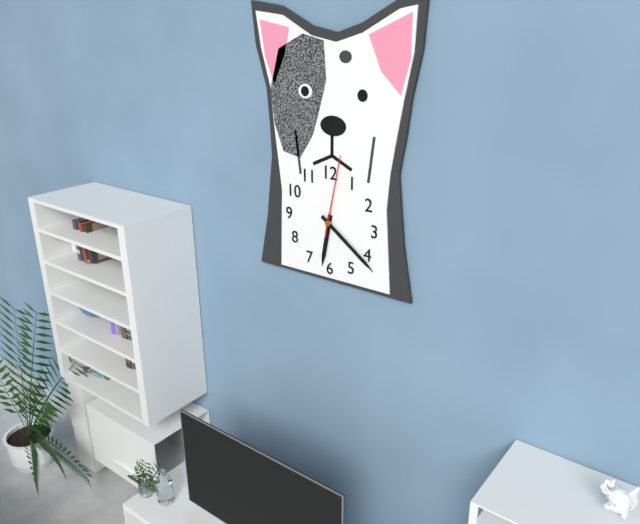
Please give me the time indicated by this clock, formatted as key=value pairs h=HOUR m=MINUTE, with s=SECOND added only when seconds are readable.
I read h=6 m=21 s=2
